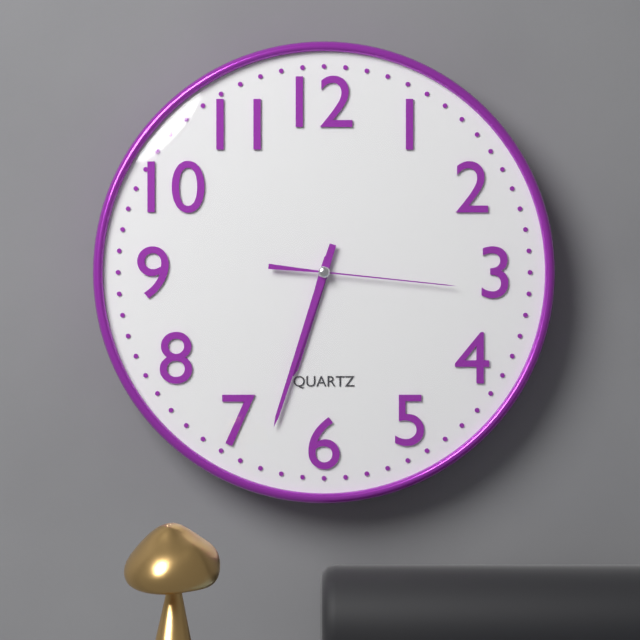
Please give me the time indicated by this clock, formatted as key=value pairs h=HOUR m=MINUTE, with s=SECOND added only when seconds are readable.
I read h=6 m=33 s=16
